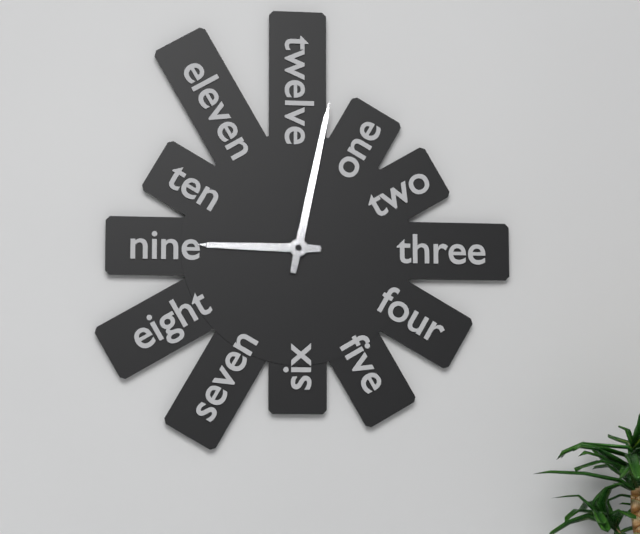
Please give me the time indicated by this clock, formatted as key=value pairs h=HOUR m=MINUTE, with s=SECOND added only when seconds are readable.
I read h=9 m=2
